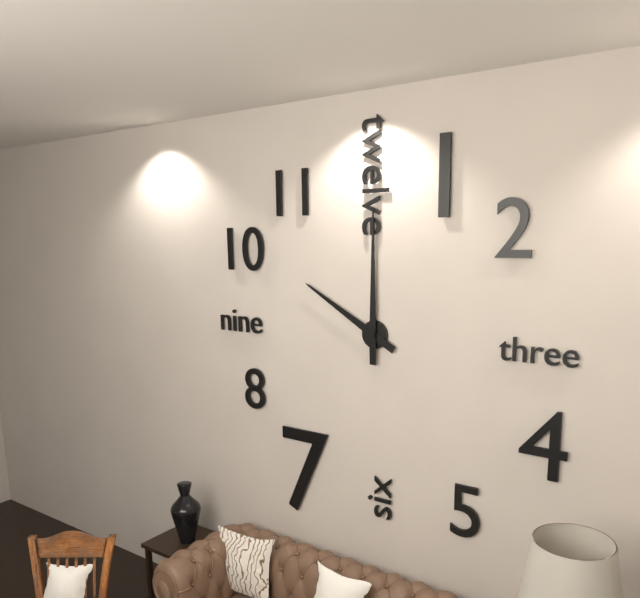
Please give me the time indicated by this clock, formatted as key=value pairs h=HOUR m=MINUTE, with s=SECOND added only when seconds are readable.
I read h=10 m=0
